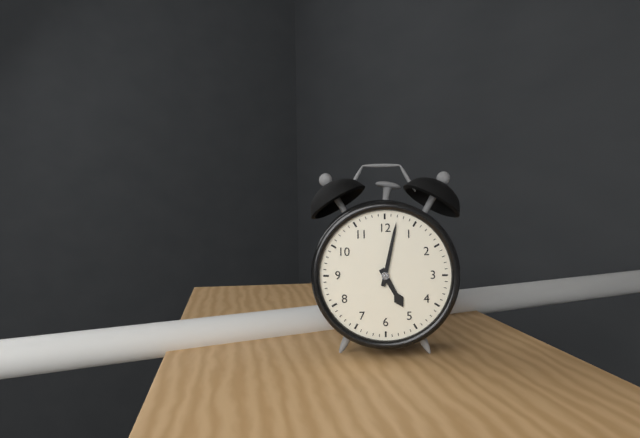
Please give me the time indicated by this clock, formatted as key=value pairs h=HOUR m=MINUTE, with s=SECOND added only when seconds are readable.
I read h=5 m=2
